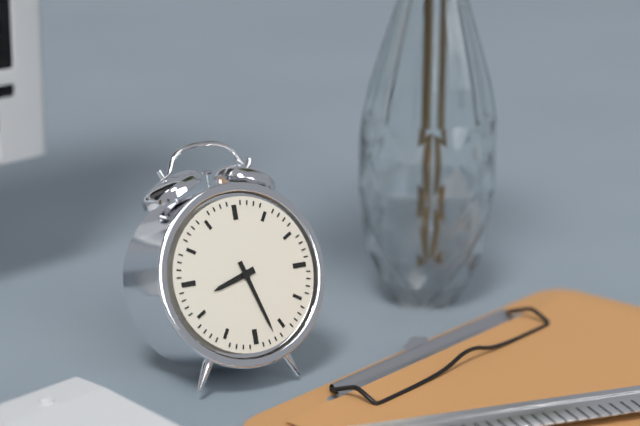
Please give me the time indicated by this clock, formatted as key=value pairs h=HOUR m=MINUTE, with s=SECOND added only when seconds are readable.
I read h=8 m=27
